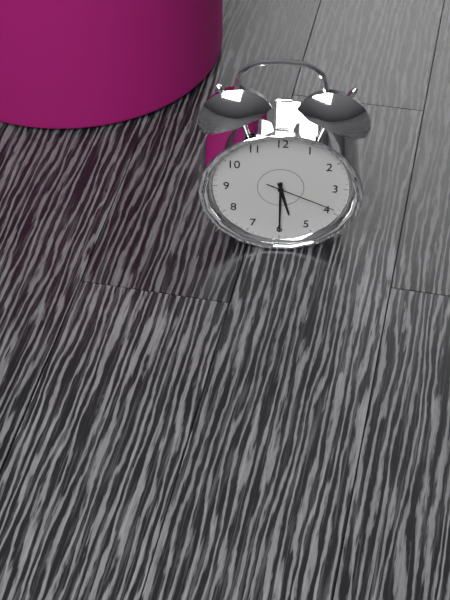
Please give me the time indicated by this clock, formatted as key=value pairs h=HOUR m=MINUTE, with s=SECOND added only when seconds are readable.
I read h=5 m=30 s=19
